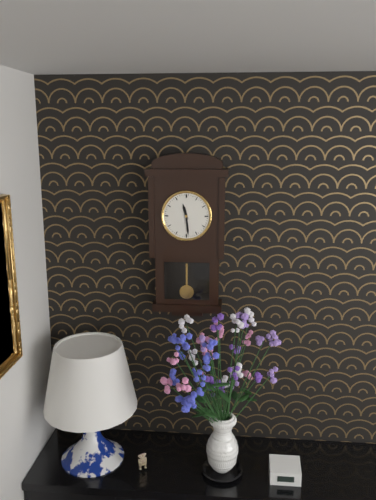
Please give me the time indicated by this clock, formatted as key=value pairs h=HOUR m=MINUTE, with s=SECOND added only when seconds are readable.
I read h=11 m=29
